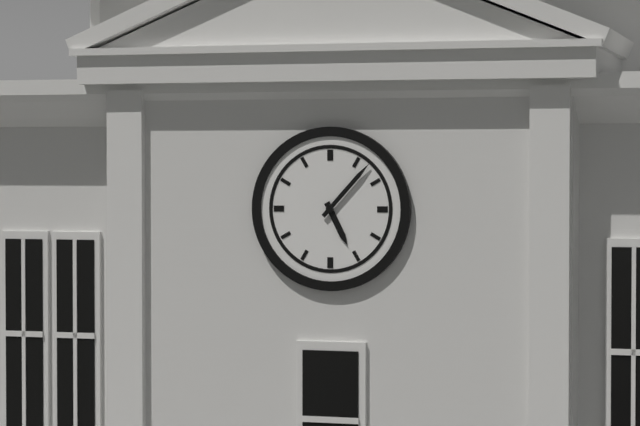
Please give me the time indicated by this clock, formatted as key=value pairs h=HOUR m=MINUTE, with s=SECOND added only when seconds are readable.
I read h=5 m=7
